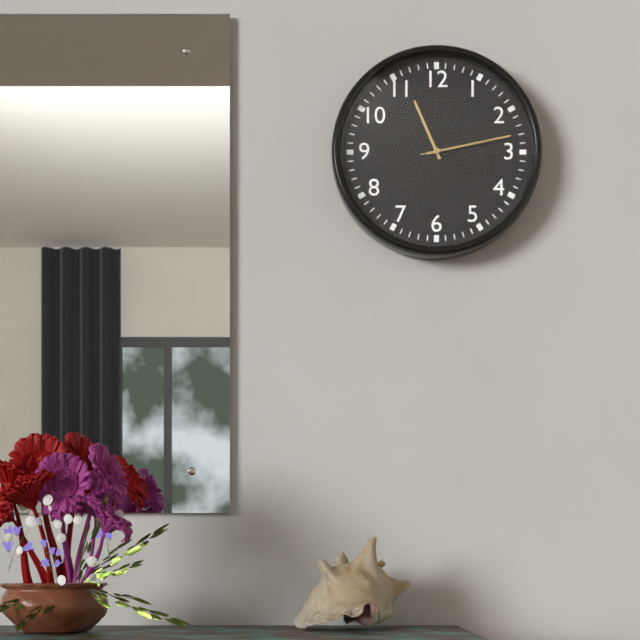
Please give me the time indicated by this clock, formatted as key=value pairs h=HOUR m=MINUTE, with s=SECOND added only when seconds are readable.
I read h=11 m=13 s=13
